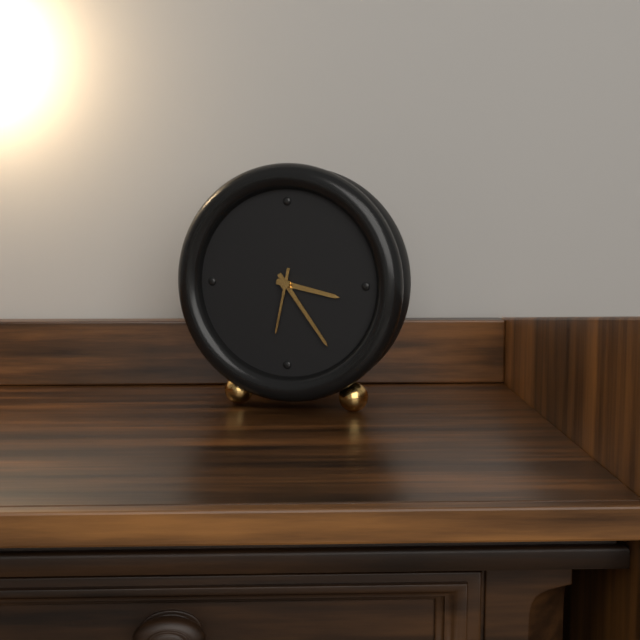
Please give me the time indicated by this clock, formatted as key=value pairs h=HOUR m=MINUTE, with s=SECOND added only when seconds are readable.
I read h=3 m=24 s=32
